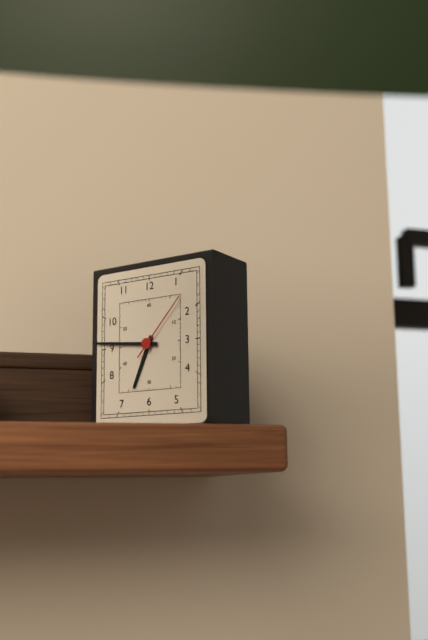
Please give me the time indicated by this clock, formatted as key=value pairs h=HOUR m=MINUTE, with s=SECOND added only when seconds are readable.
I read h=6 m=46 s=7
